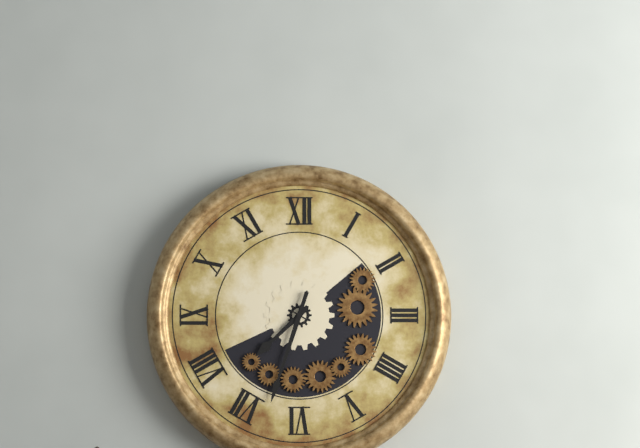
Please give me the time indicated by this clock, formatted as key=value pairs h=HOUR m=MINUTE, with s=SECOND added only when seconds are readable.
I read h=7 m=33
